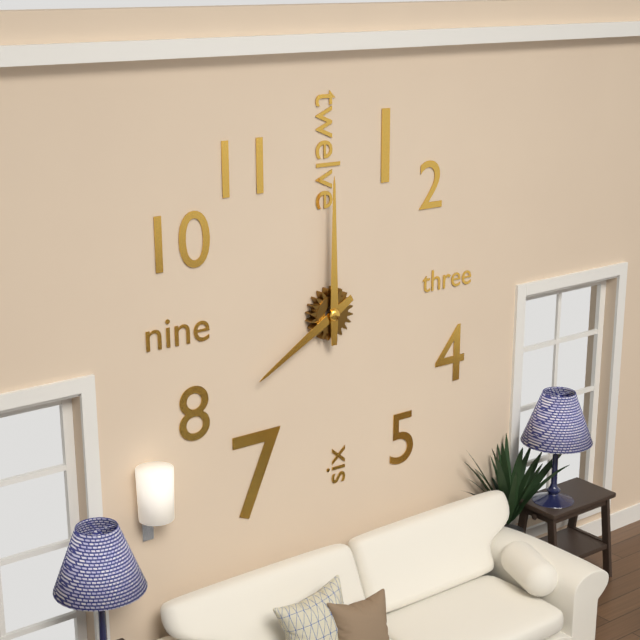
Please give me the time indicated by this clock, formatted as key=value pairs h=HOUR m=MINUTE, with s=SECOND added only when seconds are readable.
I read h=8 m=0
